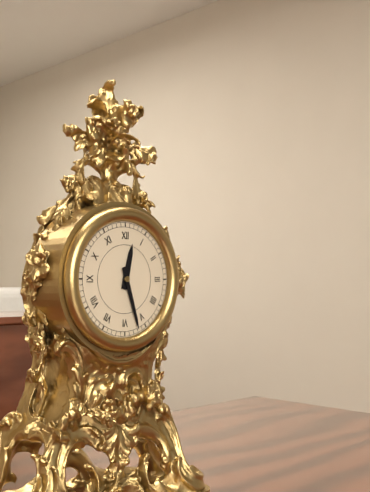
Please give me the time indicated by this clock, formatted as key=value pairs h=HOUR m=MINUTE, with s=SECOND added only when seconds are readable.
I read h=12 m=27
